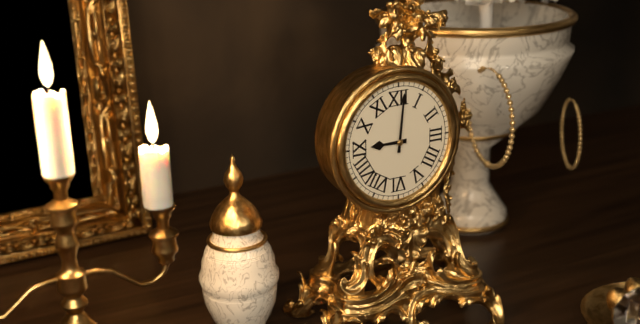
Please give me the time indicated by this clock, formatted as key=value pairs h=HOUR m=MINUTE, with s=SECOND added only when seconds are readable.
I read h=9 m=1
